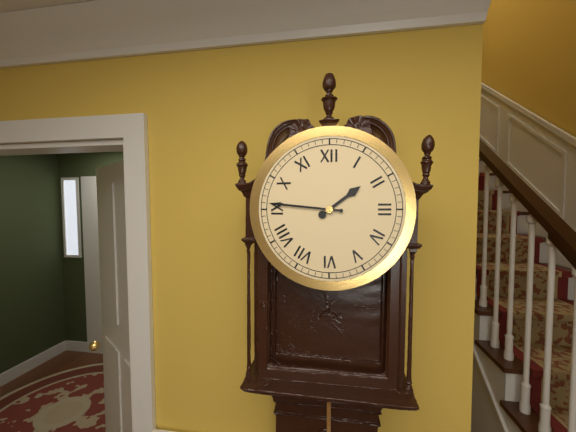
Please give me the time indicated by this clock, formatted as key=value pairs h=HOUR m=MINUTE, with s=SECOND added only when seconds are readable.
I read h=1 m=46
